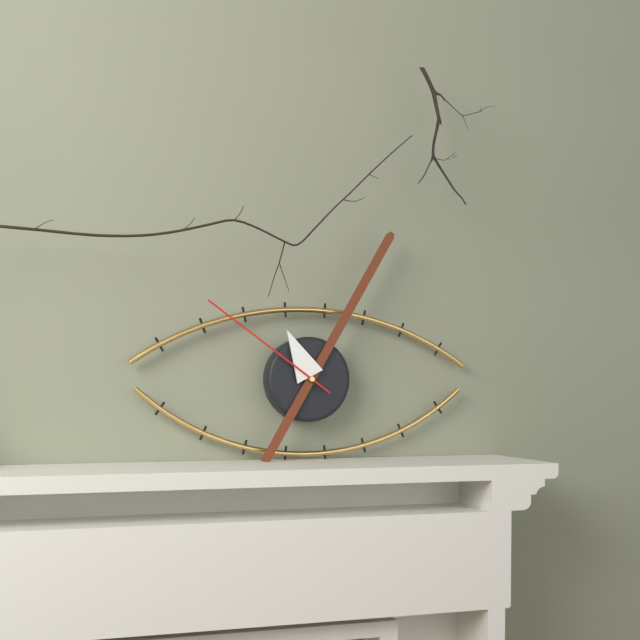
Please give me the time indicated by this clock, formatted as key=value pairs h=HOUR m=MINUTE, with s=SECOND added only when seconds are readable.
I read h=11 m=5 s=51
